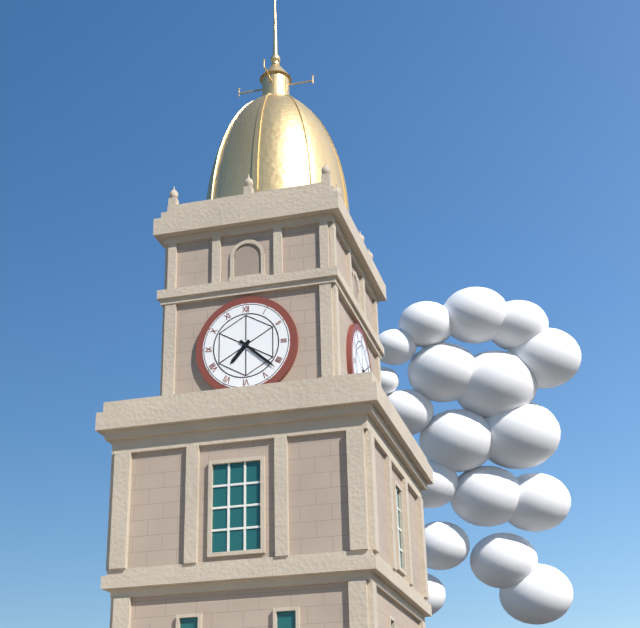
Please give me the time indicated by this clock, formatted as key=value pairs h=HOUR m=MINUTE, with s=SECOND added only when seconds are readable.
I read h=7 m=22
